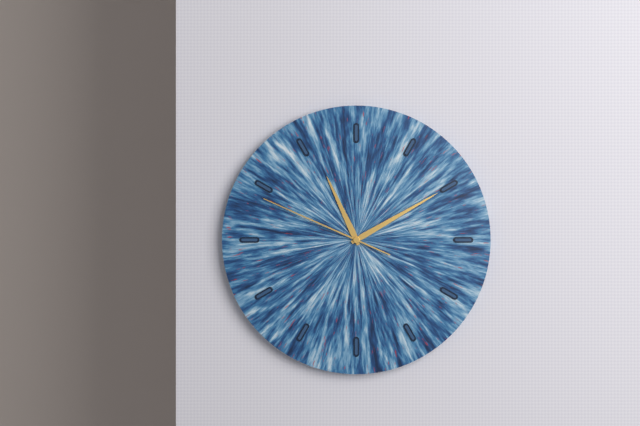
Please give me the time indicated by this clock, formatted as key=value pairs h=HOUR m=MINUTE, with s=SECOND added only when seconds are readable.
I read h=11 m=10 s=49
